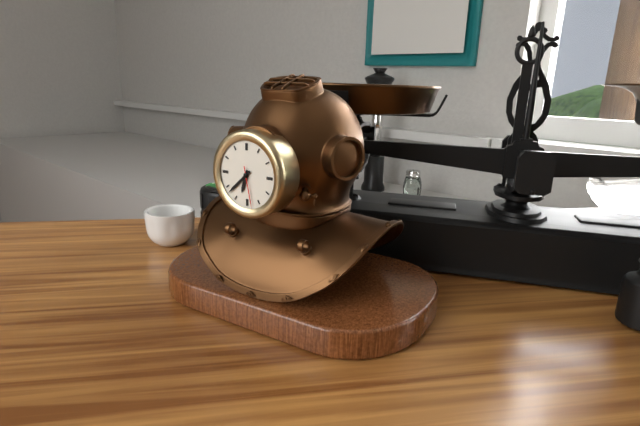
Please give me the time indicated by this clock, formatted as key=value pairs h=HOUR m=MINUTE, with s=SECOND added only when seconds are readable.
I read h=6 m=38
